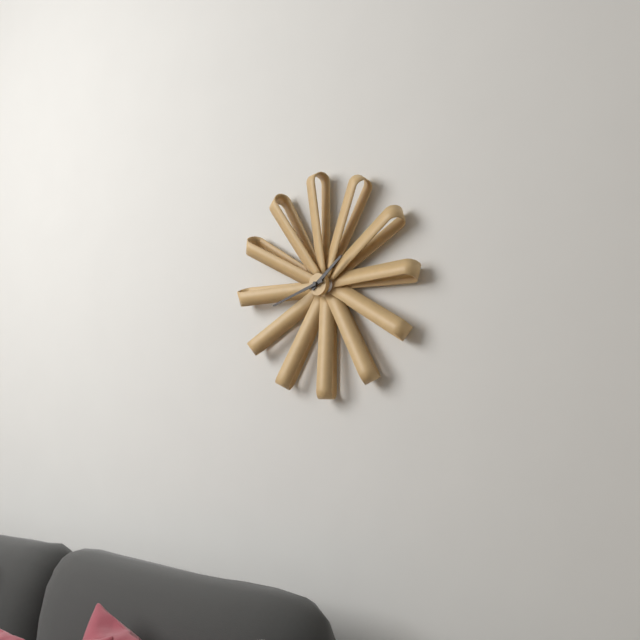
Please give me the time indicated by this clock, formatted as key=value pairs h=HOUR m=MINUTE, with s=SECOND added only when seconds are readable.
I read h=1 m=42
